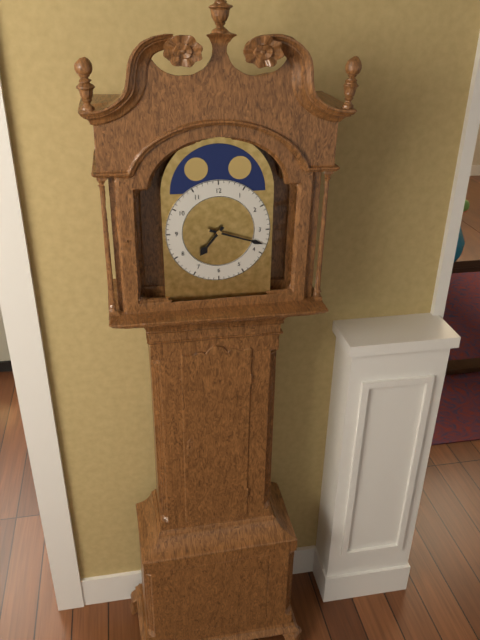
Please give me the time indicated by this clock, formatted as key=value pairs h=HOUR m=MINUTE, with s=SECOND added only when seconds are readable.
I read h=7 m=18
